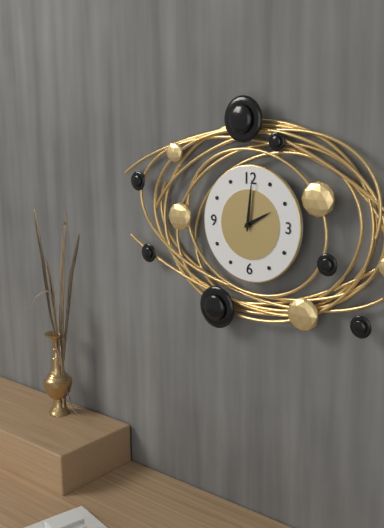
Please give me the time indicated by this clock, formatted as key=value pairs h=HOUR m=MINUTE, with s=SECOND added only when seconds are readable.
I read h=2 m=1
